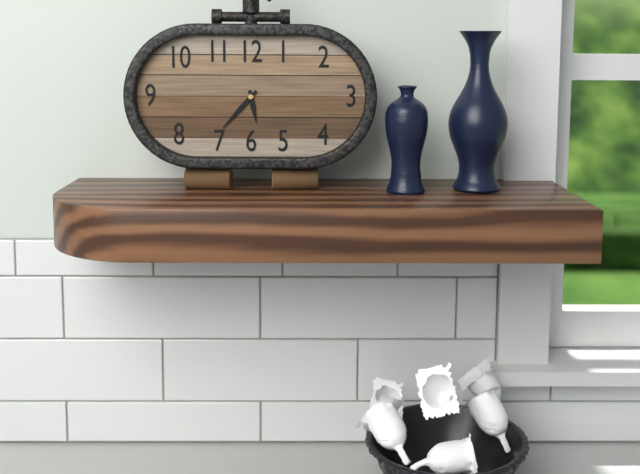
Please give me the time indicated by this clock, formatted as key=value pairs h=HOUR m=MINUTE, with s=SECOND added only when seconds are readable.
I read h=5 m=37
